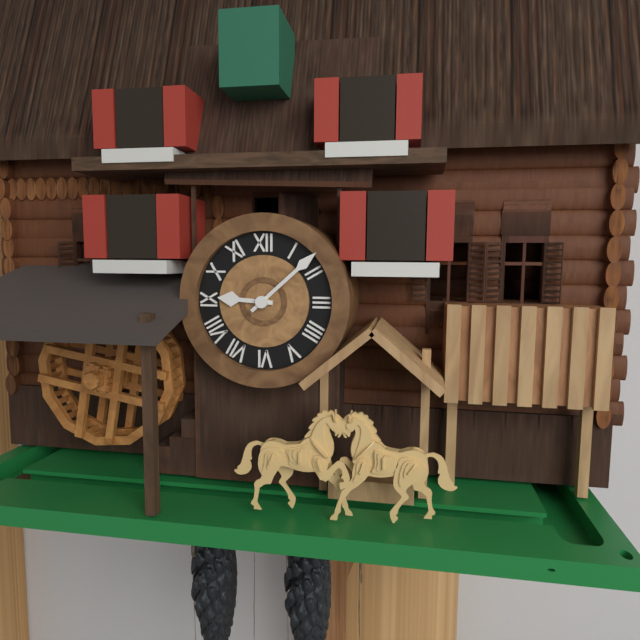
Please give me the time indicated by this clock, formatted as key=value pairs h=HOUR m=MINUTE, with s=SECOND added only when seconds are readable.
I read h=9 m=8
